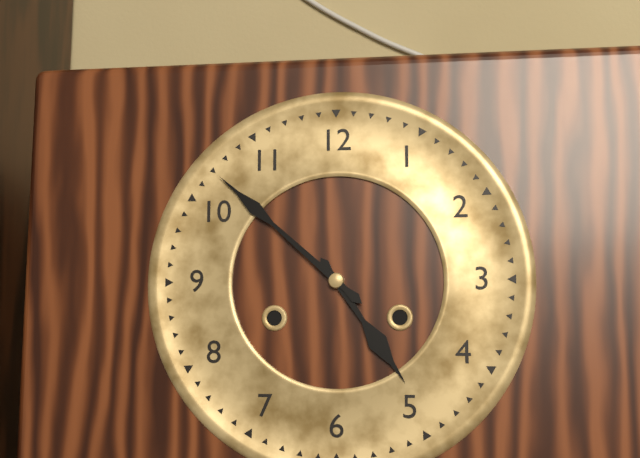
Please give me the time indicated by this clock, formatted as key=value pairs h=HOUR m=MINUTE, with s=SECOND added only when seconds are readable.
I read h=4 m=52
